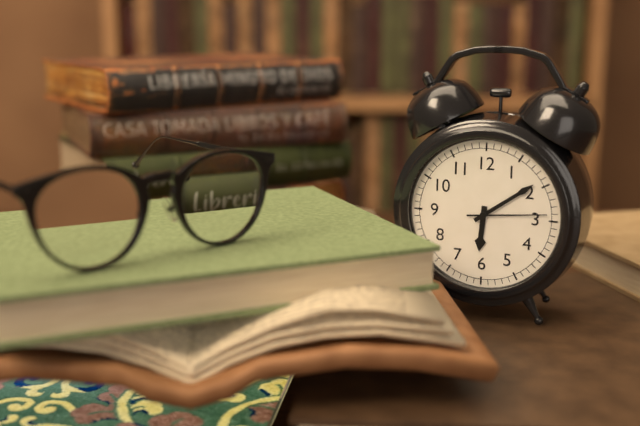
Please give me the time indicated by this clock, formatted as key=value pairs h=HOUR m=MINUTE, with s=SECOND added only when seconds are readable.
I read h=6 m=9 s=14
